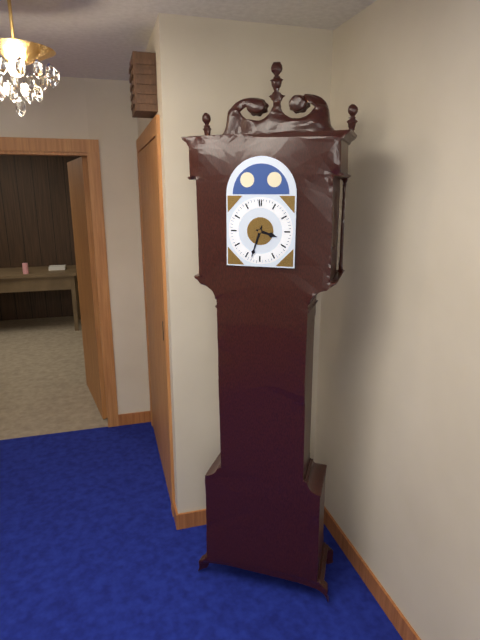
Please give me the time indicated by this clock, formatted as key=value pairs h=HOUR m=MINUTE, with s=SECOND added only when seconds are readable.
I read h=3 m=33
